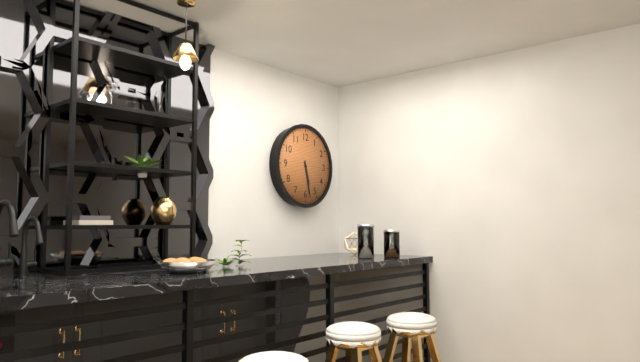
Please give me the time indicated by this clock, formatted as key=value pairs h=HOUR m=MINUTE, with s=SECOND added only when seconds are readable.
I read h=5 m=28
